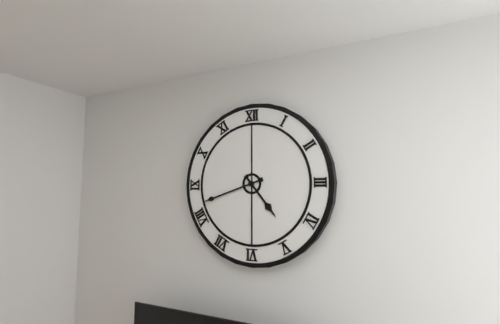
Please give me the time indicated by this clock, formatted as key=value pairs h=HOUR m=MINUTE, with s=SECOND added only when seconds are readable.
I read h=4 m=42
